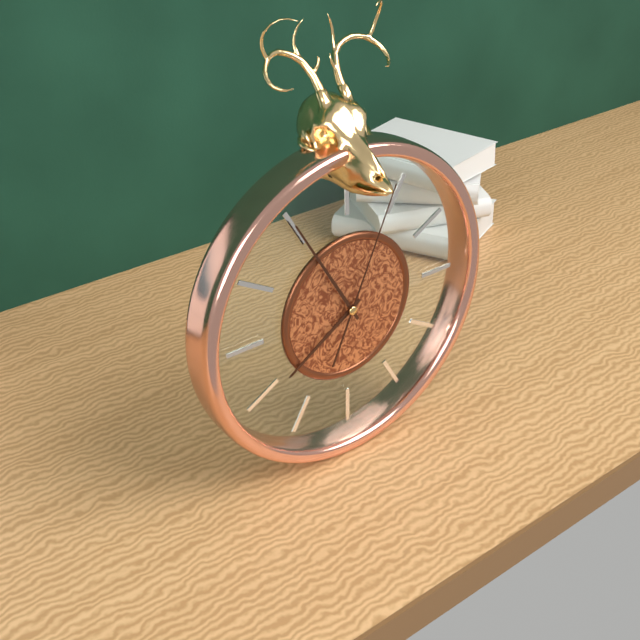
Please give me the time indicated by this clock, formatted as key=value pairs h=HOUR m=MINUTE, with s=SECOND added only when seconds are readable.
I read h=7 m=55 s=4
